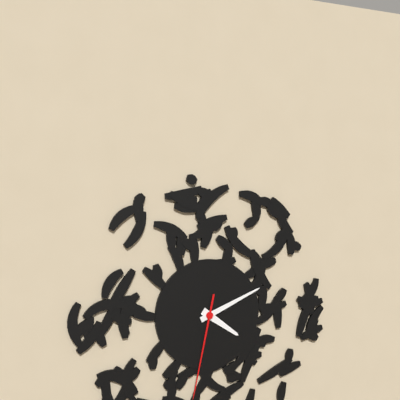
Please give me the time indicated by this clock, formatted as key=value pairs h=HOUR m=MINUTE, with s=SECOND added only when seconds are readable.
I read h=4 m=11
